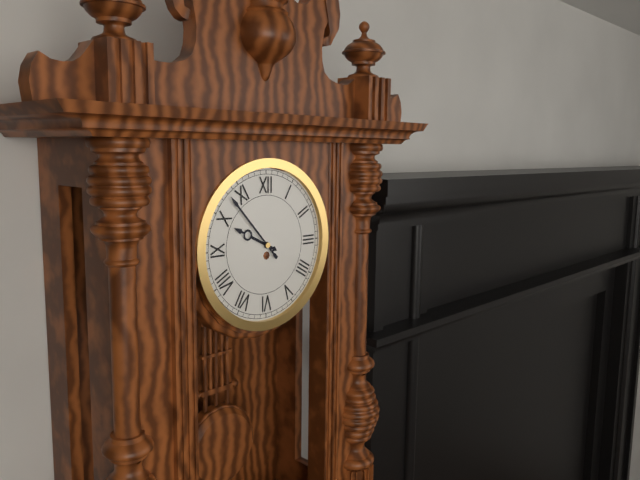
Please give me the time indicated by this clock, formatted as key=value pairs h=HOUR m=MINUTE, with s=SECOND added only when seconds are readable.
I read h=9 m=53
